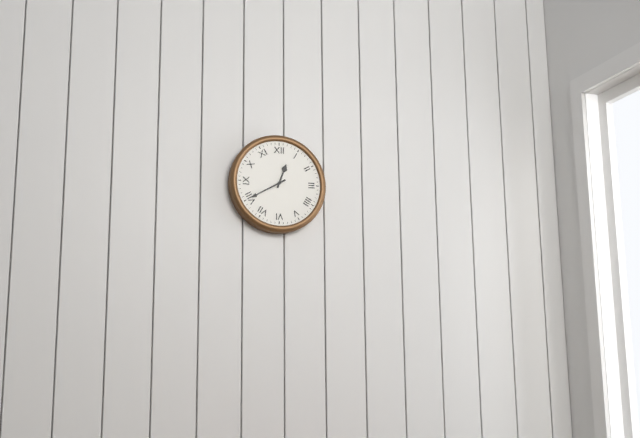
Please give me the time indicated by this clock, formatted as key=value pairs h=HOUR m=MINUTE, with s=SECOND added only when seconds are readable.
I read h=12 m=40
